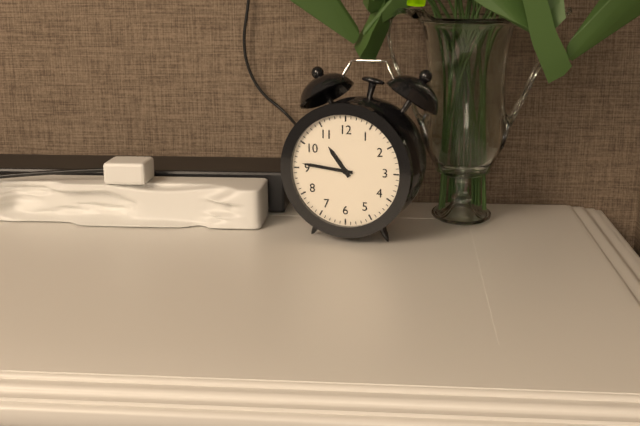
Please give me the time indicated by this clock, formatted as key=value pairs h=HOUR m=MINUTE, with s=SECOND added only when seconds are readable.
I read h=10 m=46
